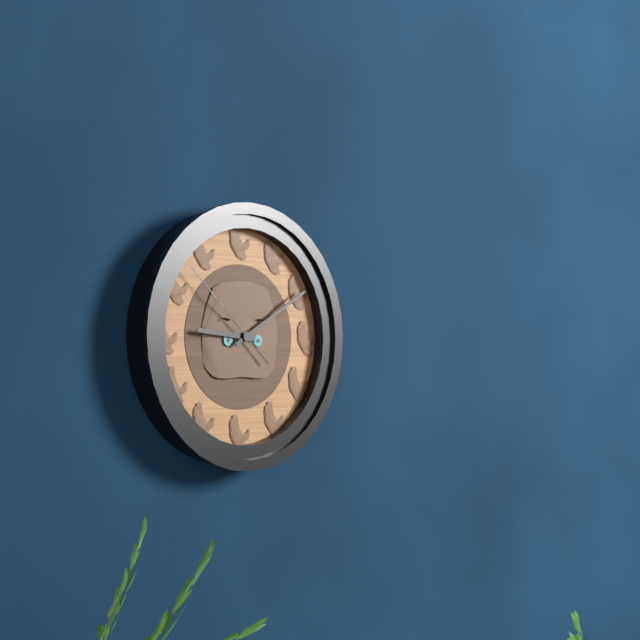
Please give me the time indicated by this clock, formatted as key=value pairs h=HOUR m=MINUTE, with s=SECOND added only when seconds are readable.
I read h=9 m=10 s=52
